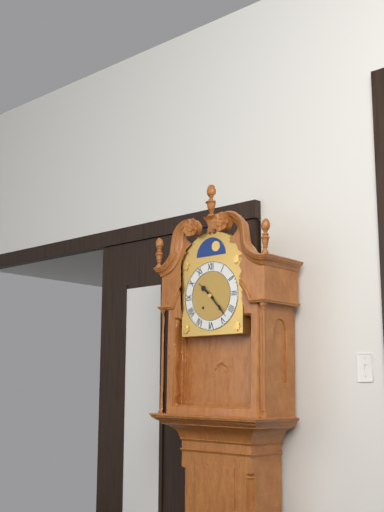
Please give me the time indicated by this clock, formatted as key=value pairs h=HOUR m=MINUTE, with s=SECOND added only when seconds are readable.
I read h=10 m=23
